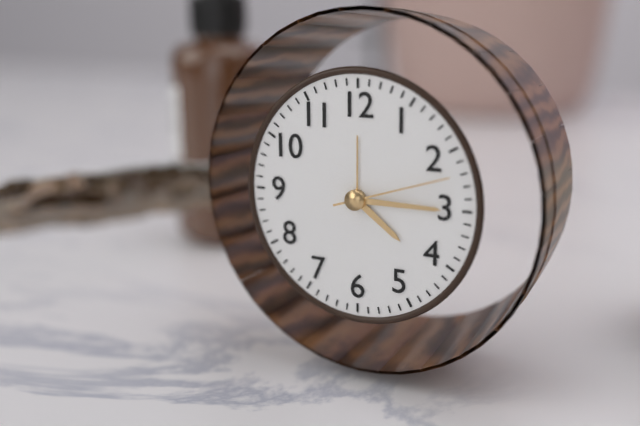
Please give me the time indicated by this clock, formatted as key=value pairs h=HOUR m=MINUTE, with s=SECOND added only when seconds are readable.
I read h=4 m=15 s=12
